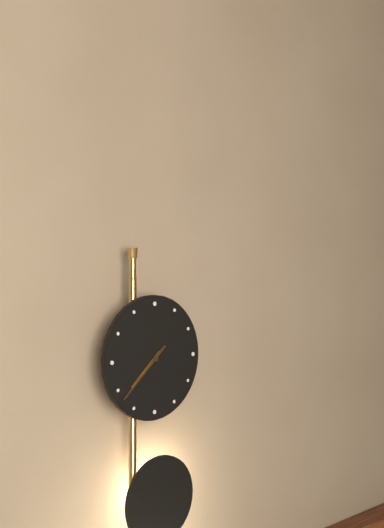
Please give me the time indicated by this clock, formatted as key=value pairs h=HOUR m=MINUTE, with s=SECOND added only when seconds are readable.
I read h=7 m=38
